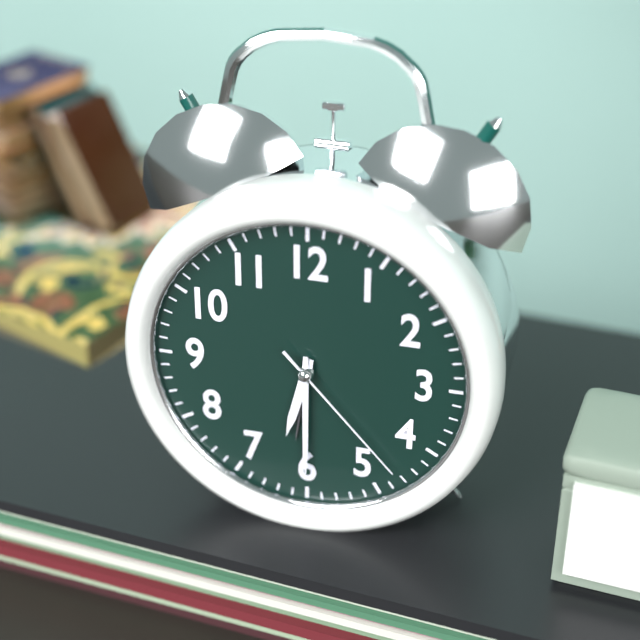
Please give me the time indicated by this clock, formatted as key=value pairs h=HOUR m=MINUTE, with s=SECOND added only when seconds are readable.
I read h=6 m=30 s=23
